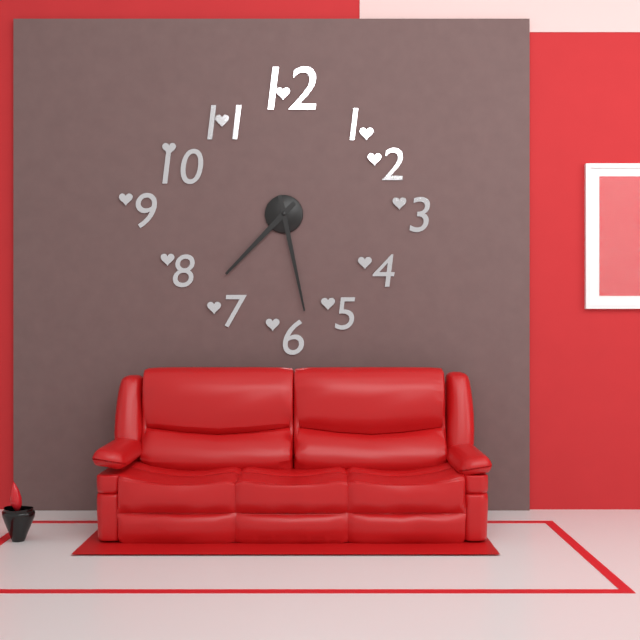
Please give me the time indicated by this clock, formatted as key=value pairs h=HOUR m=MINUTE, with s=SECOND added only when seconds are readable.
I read h=7 m=28
